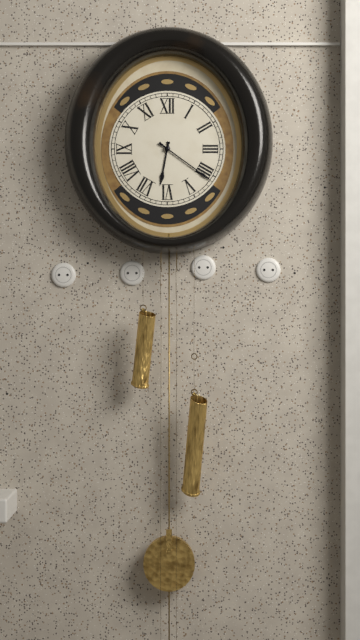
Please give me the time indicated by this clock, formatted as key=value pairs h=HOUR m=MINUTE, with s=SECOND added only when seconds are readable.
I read h=6 m=21
